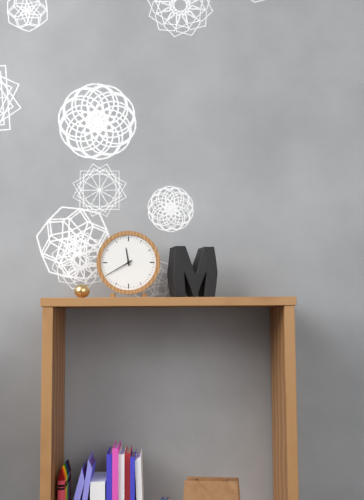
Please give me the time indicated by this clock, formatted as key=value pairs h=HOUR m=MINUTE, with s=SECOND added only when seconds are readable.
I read h=11 m=40
